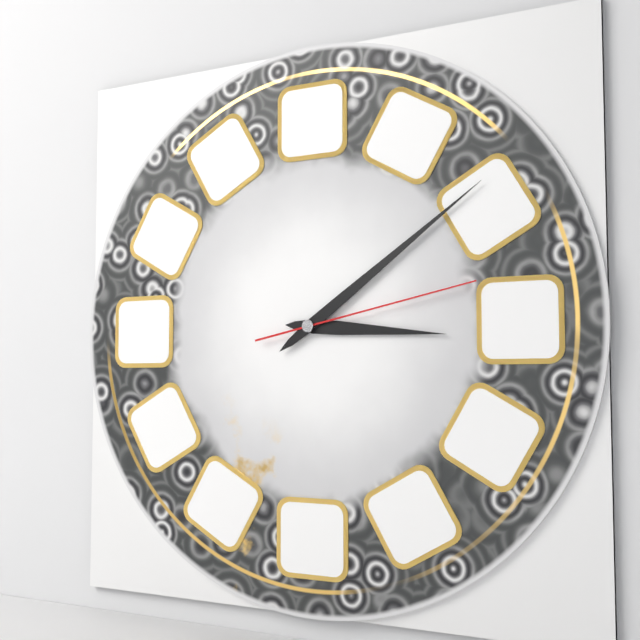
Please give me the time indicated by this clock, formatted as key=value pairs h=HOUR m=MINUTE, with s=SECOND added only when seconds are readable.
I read h=3 m=9 s=13
